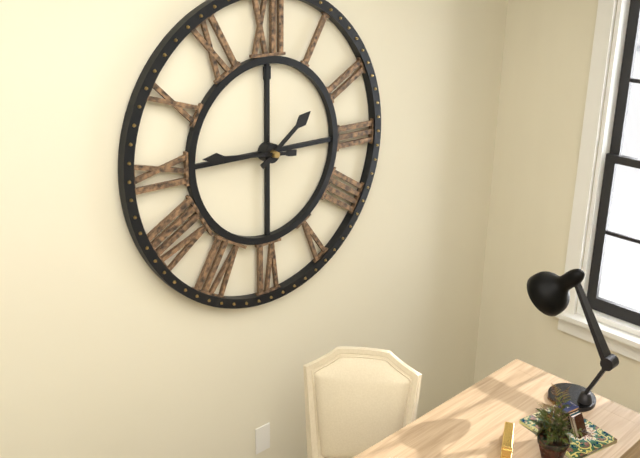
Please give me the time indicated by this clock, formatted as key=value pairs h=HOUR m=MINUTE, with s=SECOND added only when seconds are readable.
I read h=1 m=46
